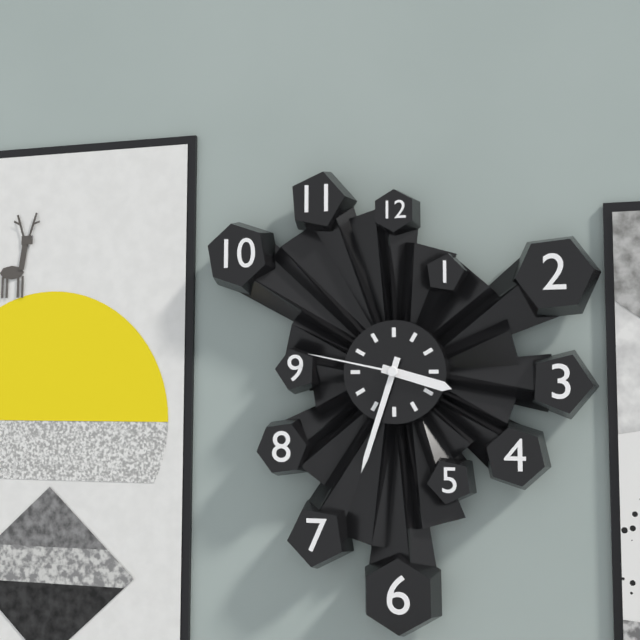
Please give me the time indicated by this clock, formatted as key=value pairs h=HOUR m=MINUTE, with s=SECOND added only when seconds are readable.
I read h=3 m=33 s=47
